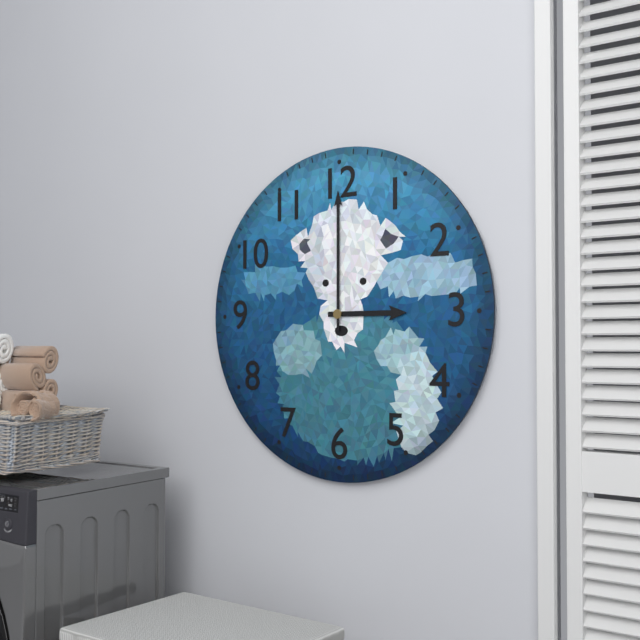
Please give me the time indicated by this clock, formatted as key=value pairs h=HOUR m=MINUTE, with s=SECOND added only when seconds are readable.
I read h=3 m=0
